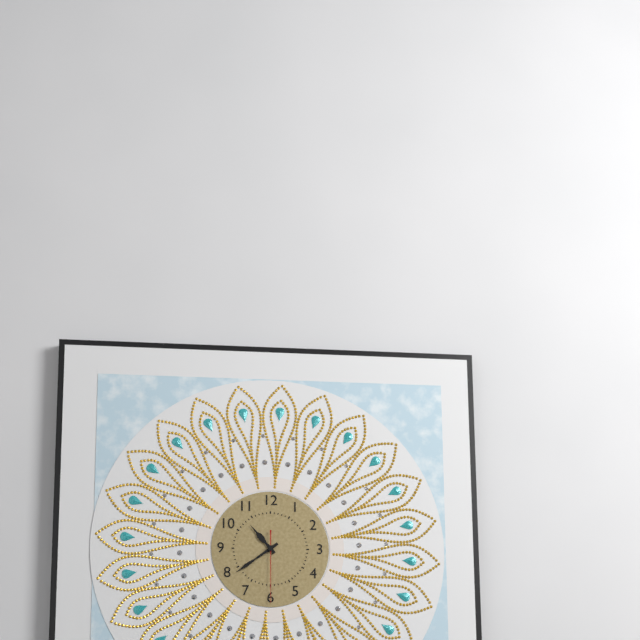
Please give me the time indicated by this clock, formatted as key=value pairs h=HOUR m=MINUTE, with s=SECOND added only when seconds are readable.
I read h=10 m=39 s=30
